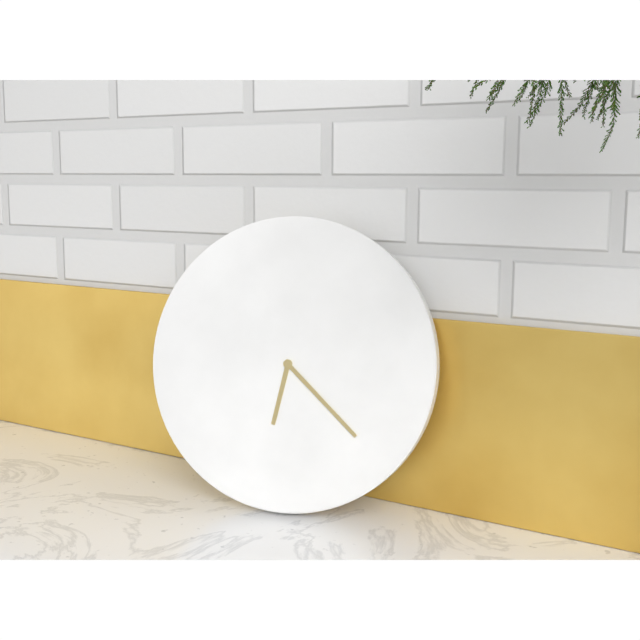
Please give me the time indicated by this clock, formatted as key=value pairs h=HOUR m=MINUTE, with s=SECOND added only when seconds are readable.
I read h=6 m=22
